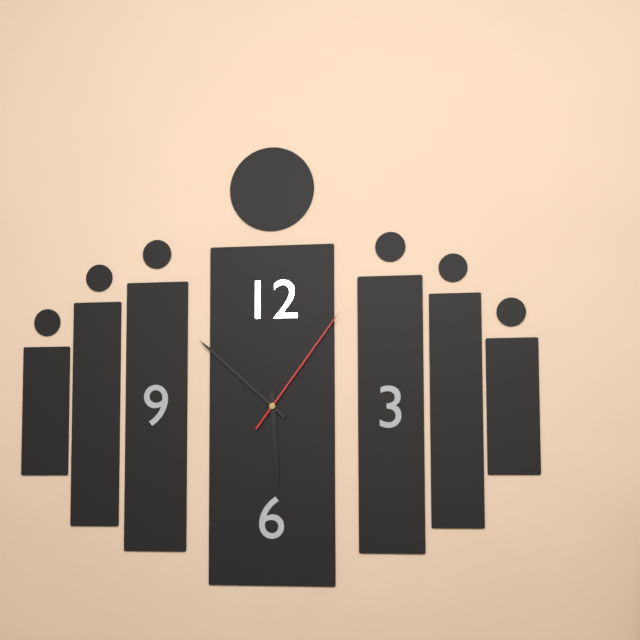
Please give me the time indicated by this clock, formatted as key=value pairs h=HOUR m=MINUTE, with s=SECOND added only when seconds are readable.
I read h=5 m=52 s=6
